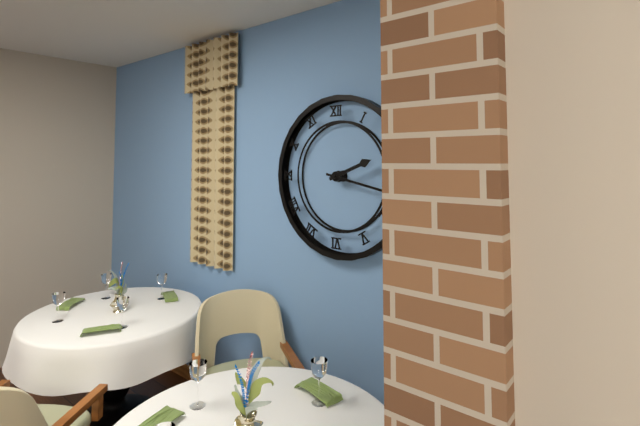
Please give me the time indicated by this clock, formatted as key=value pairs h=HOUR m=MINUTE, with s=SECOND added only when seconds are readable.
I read h=2 m=17
